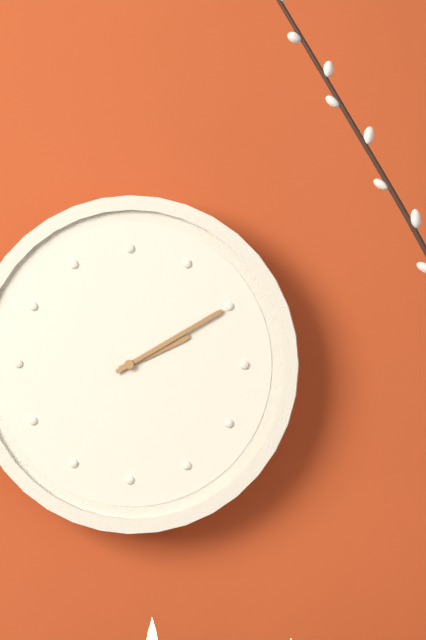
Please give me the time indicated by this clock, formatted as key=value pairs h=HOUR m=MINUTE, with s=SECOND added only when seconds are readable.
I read h=2 m=10
